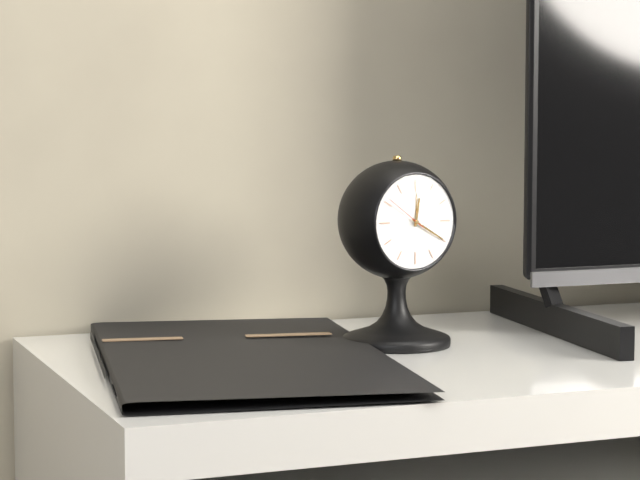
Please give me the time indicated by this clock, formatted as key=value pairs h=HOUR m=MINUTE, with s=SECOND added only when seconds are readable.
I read h=12 m=20
